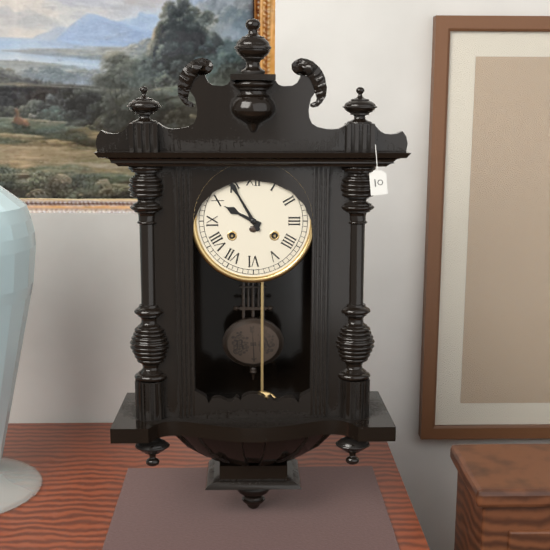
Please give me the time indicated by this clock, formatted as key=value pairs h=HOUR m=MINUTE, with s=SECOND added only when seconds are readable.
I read h=9 m=55
